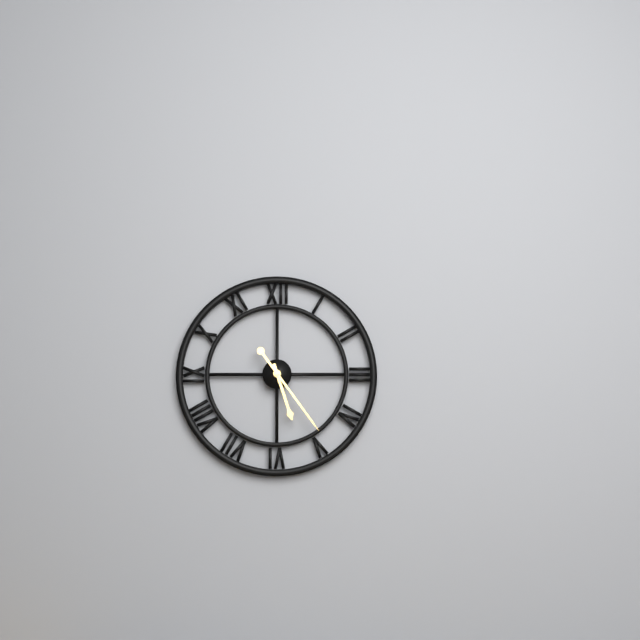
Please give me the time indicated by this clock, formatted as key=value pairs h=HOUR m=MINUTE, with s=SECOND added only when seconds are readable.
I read h=5 m=24
